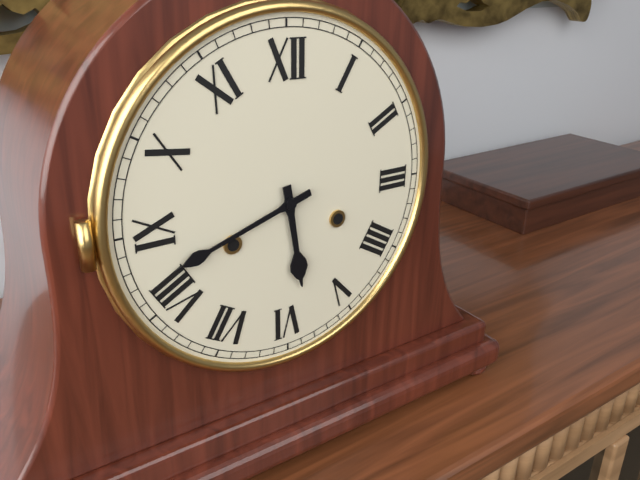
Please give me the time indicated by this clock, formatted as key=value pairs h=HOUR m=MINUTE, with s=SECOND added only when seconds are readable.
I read h=5 m=42
